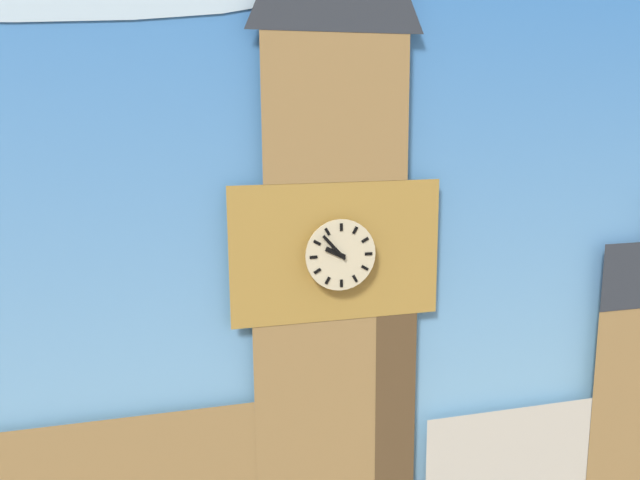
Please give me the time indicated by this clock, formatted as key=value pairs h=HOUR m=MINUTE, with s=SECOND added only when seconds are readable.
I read h=9 m=53
